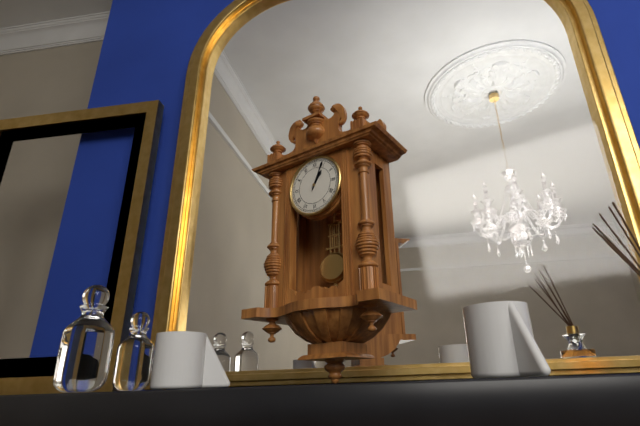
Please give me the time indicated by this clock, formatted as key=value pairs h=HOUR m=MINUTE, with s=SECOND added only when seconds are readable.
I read h=1 m=4
